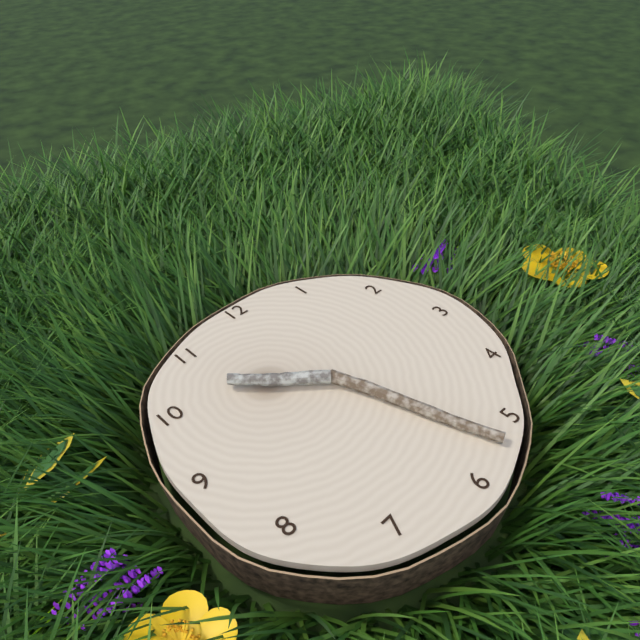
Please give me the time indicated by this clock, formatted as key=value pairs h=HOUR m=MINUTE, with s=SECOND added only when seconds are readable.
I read h=10 m=27
